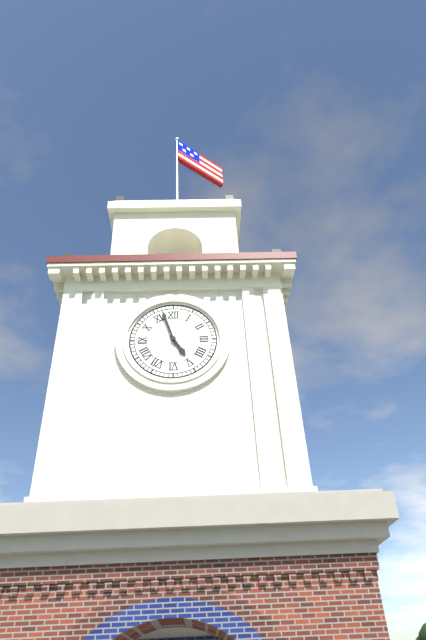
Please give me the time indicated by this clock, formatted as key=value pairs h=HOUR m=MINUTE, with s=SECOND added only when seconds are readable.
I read h=4 m=57
